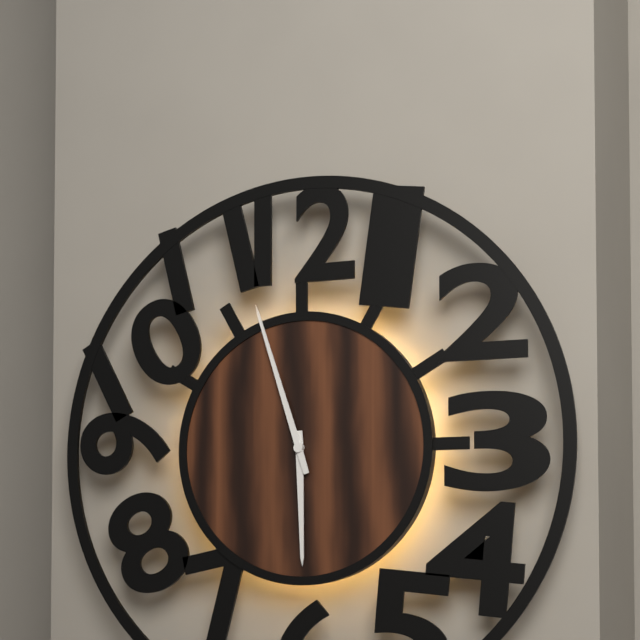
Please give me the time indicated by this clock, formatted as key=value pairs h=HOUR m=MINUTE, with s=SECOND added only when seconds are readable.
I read h=5 m=57
